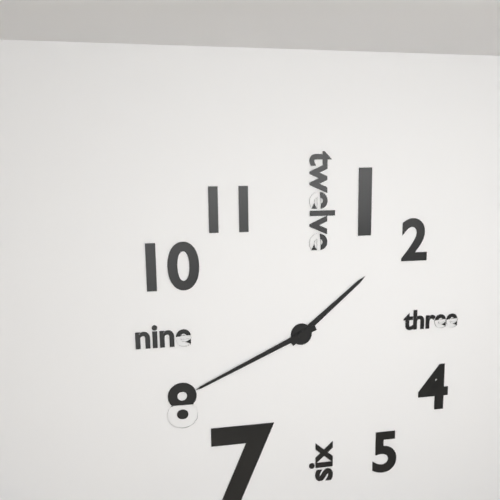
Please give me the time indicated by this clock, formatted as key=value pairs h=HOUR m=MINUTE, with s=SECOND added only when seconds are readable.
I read h=1 m=41
